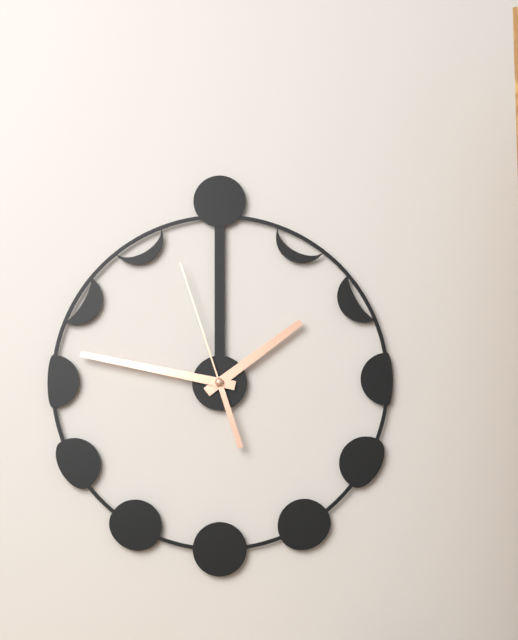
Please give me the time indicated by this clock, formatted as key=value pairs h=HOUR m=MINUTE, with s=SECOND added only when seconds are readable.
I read h=1 m=47 s=57
